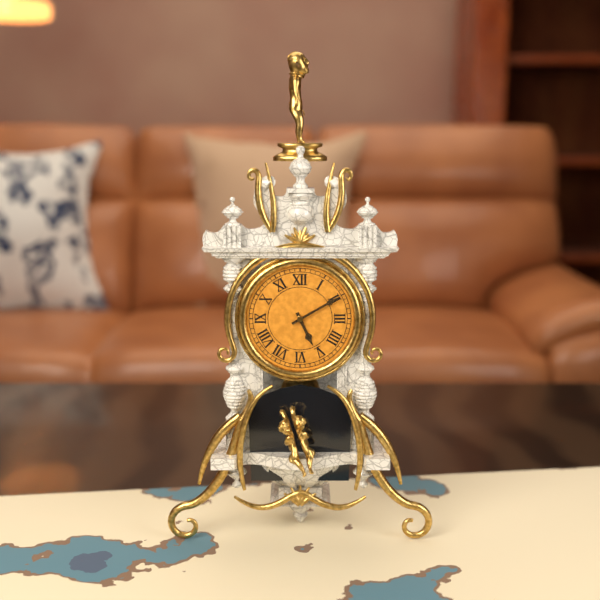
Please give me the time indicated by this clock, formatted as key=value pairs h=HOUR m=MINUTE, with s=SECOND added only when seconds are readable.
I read h=5 m=10
